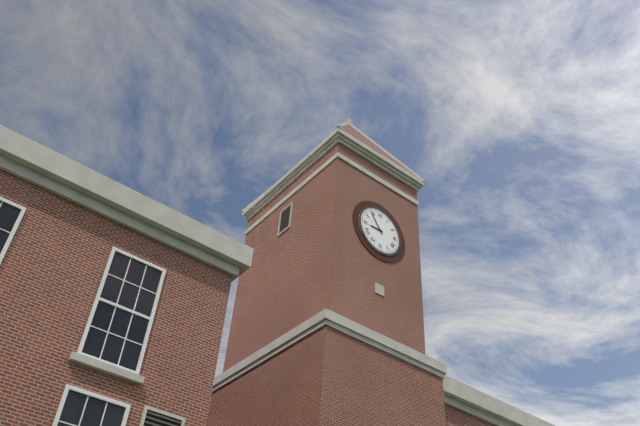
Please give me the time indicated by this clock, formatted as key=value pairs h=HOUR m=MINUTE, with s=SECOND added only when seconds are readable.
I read h=8 m=54
